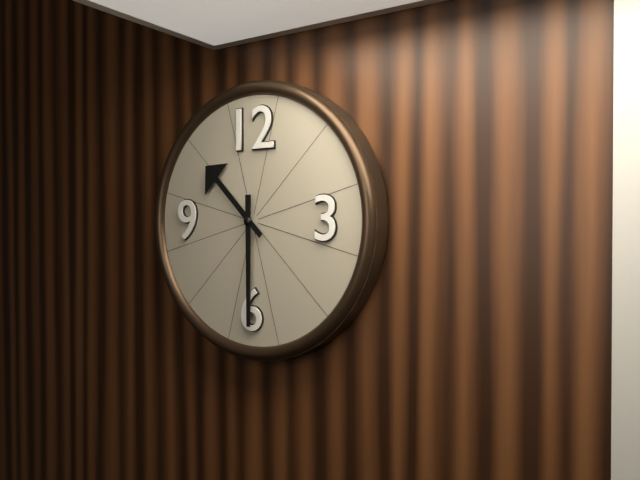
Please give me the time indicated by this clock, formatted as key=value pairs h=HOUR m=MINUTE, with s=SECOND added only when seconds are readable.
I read h=10 m=30
